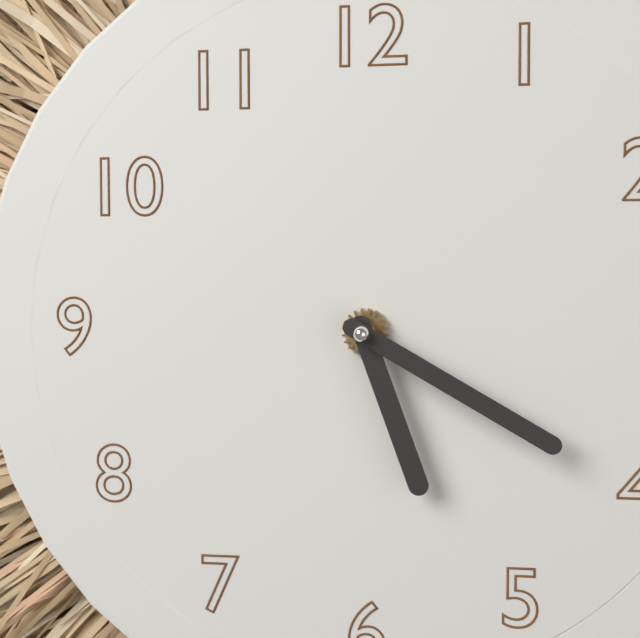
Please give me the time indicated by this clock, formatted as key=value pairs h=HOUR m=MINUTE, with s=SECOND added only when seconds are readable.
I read h=5 m=20
